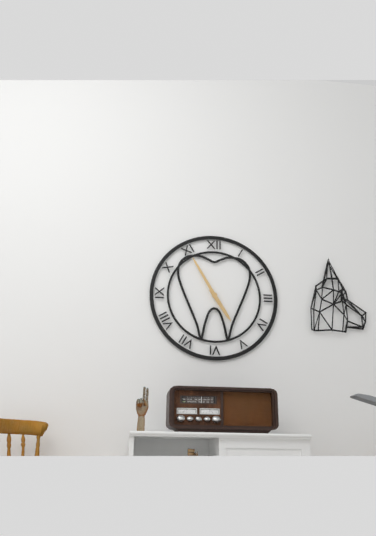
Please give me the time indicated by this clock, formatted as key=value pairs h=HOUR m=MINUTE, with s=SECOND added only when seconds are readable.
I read h=4 m=55
